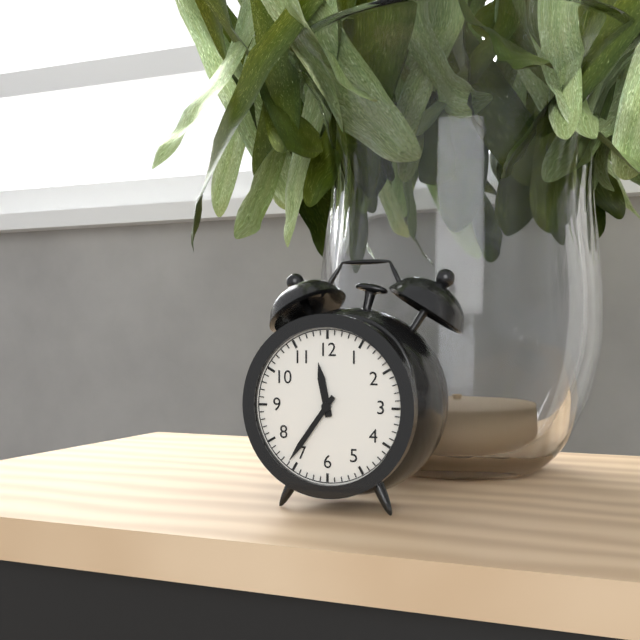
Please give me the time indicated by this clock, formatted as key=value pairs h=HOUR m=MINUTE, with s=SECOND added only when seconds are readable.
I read h=11 m=36
